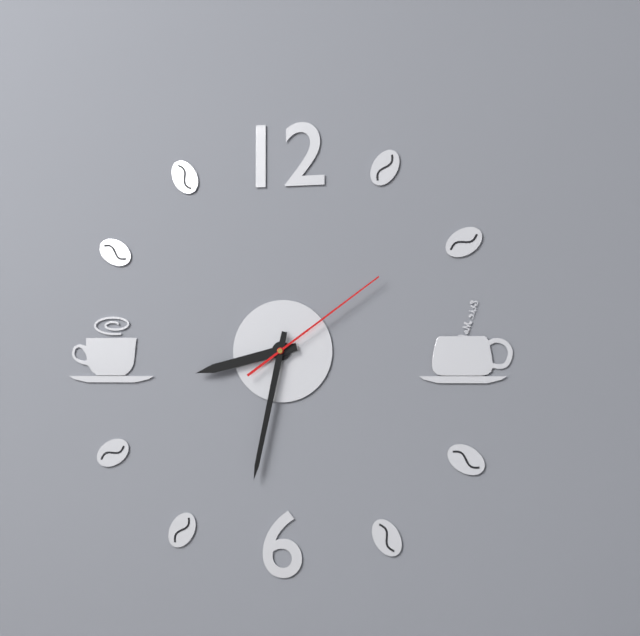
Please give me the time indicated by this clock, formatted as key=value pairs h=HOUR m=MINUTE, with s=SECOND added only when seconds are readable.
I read h=8 m=32 s=9
